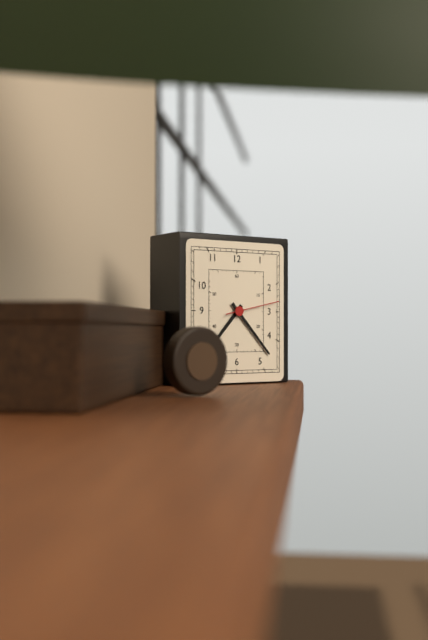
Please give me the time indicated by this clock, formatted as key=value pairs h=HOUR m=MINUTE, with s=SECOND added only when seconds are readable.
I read h=7 m=23 s=13
